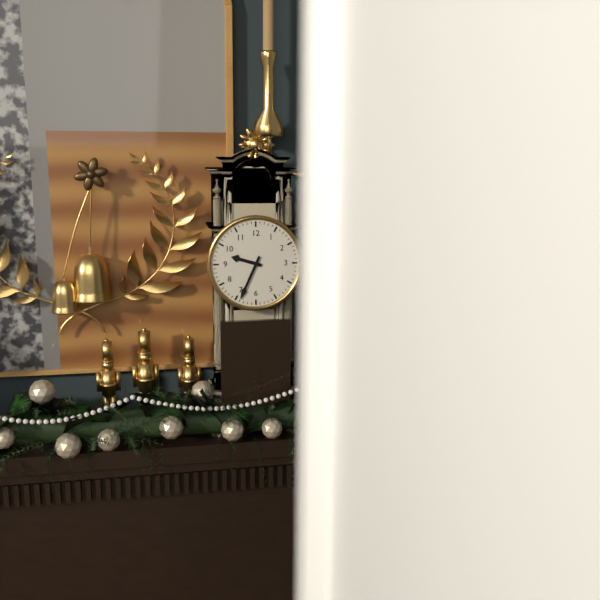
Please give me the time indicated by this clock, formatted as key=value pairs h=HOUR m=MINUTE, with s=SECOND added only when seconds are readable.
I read h=9 m=34
